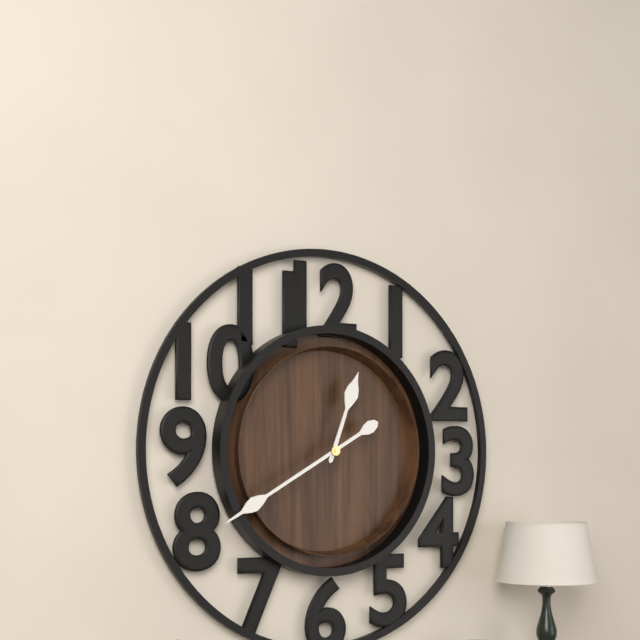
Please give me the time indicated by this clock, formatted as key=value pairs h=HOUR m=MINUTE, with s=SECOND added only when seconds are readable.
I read h=12 m=40
